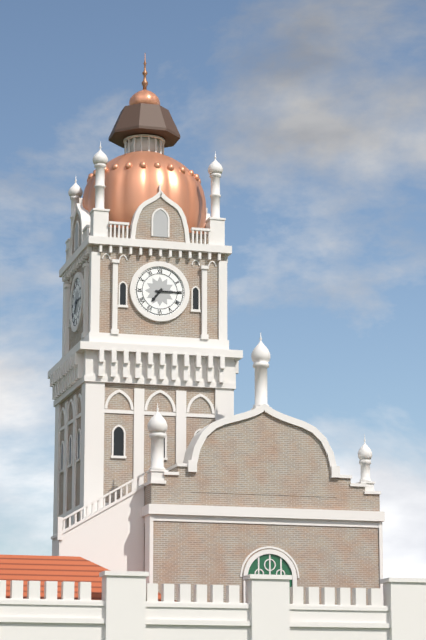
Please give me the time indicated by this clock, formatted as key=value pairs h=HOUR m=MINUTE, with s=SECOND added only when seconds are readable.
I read h=7 m=15
